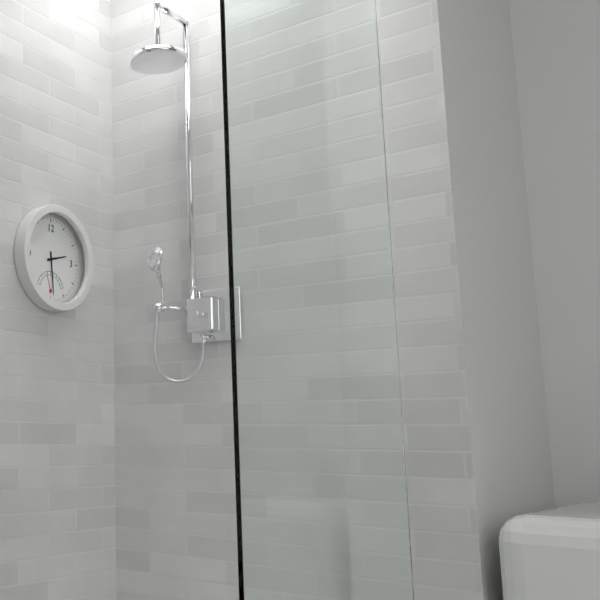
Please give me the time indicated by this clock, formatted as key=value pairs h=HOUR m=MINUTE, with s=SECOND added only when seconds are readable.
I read h=2 m=29
